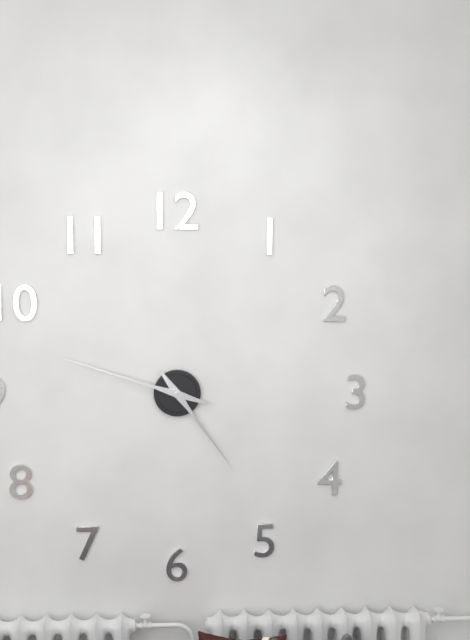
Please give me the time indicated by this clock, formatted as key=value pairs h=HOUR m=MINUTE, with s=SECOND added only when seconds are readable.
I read h=4 m=48
